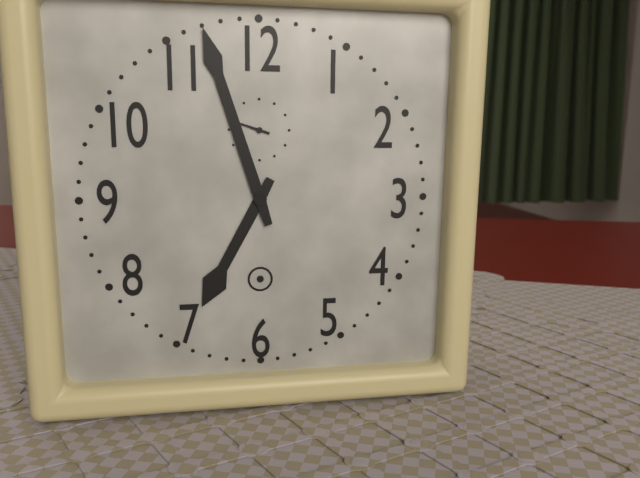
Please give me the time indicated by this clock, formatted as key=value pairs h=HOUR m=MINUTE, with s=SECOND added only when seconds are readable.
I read h=6 m=57
